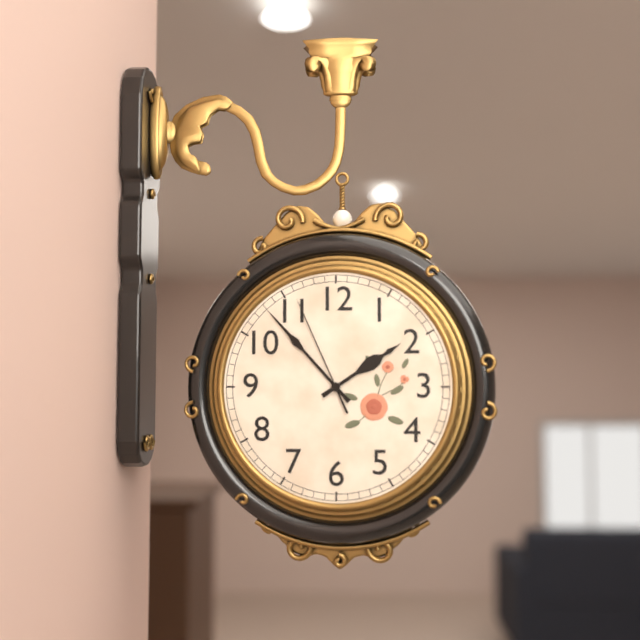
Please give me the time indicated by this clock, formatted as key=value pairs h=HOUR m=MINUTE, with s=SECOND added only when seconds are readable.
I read h=1 m=53 s=56
